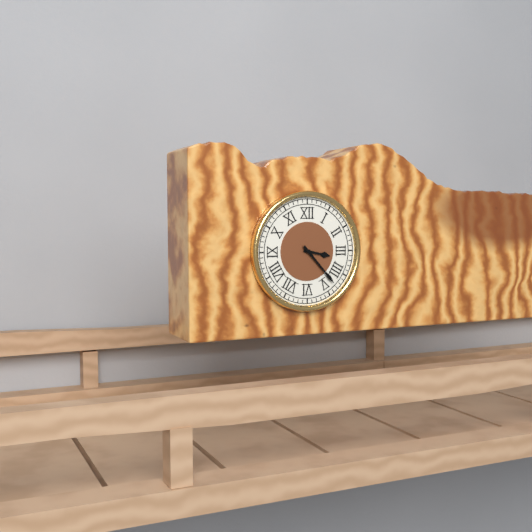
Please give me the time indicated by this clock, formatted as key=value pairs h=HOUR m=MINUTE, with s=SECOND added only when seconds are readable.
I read h=3 m=23
